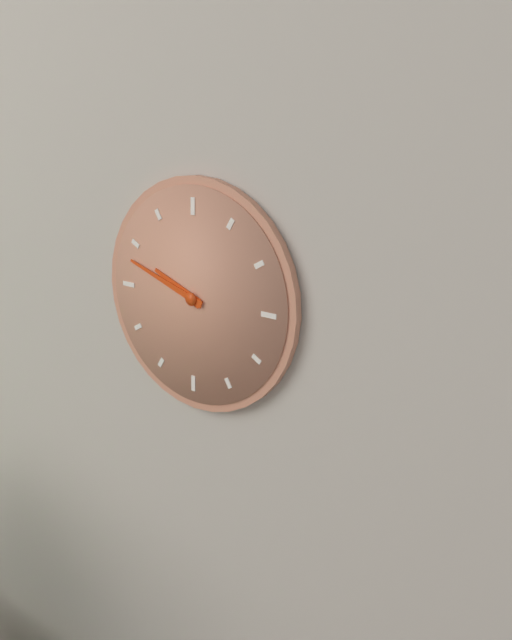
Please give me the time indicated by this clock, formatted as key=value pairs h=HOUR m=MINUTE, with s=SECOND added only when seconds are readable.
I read h=9 m=48
